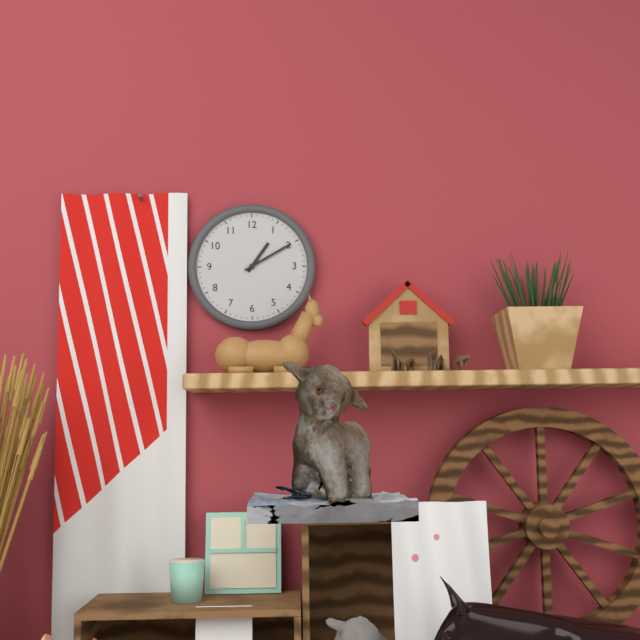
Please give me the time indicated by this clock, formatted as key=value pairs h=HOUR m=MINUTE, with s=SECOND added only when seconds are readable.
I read h=1 m=10
